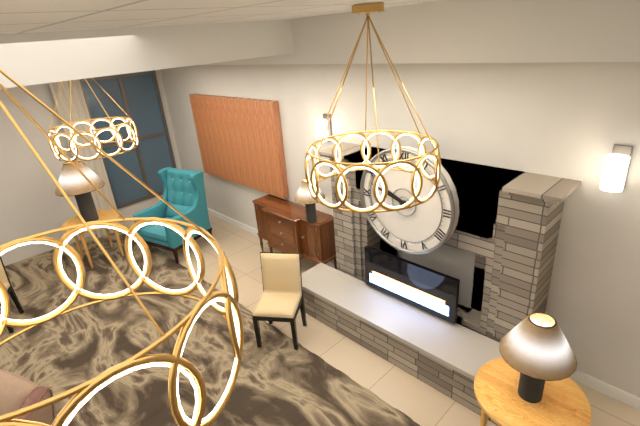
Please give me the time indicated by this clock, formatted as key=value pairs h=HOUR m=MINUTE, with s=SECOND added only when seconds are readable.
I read h=9 m=48
